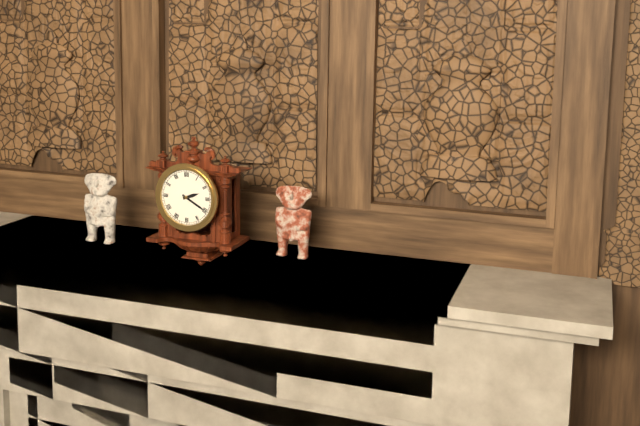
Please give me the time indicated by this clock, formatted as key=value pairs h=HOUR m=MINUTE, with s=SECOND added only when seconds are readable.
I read h=2 m=20
